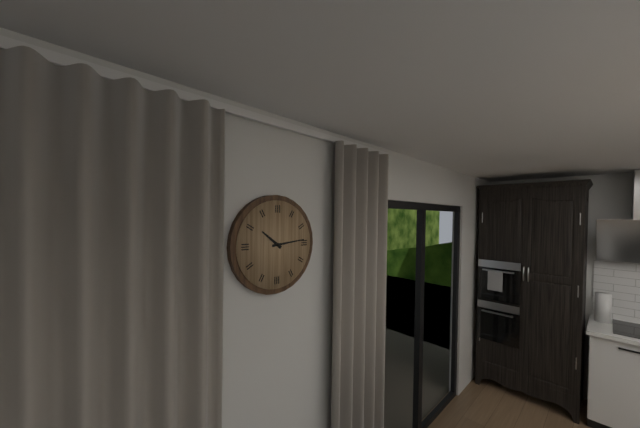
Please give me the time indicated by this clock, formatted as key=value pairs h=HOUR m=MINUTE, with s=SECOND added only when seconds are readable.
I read h=10 m=14
